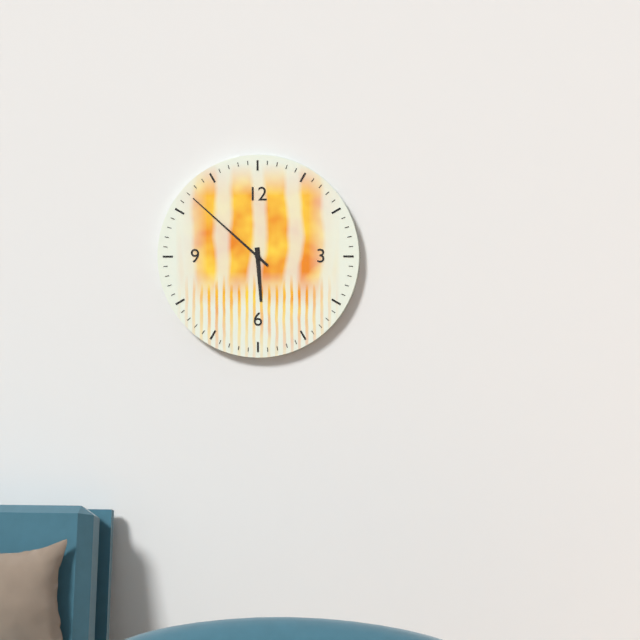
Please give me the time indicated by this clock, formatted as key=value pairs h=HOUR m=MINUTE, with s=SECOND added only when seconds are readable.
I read h=5 m=52
